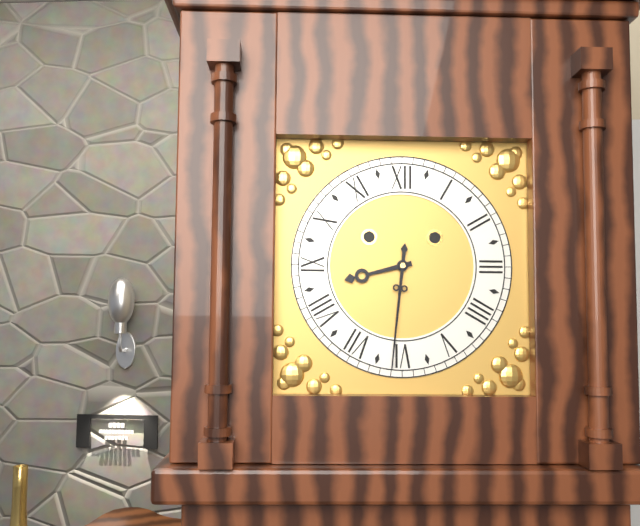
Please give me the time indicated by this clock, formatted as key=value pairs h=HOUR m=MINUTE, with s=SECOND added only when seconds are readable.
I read h=8 m=31
